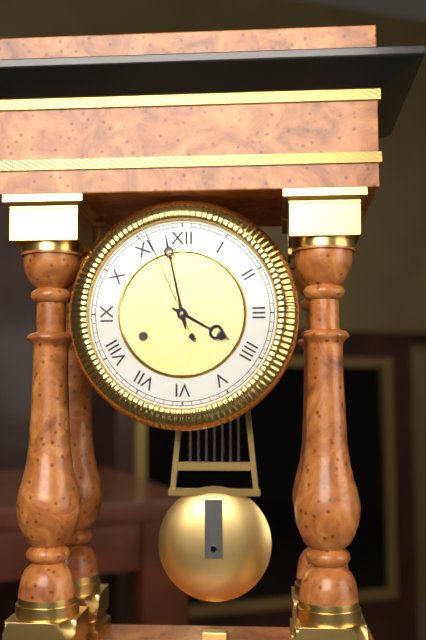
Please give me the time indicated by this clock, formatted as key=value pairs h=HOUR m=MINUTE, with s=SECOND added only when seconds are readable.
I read h=3 m=58 s=56
